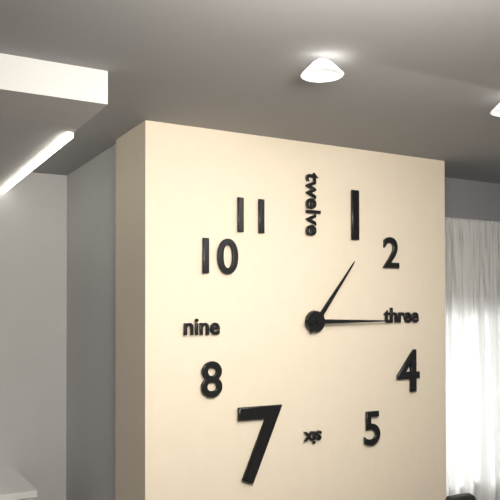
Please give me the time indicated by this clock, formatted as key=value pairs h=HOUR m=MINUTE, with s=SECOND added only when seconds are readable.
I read h=1 m=15
